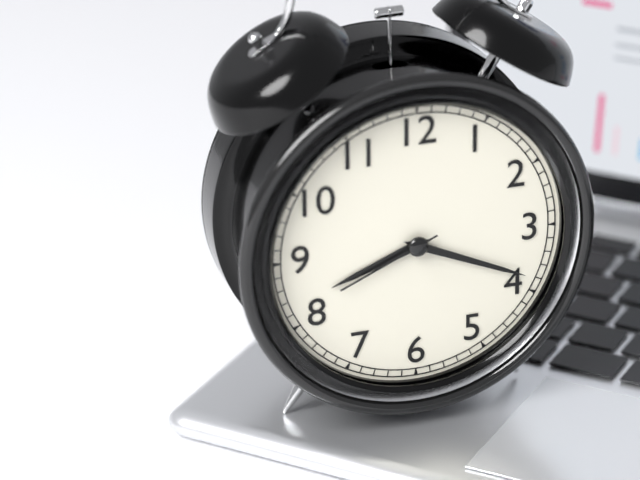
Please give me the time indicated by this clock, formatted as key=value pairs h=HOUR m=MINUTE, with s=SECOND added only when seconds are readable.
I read h=8 m=19 s=41
